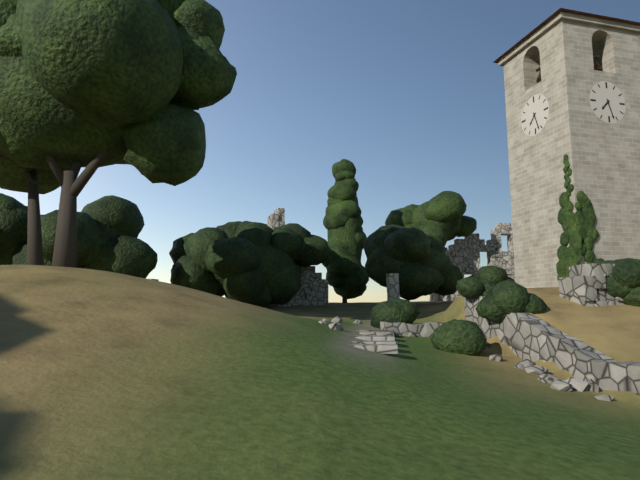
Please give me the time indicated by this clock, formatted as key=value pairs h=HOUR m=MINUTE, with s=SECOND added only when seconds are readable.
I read h=7 m=27
